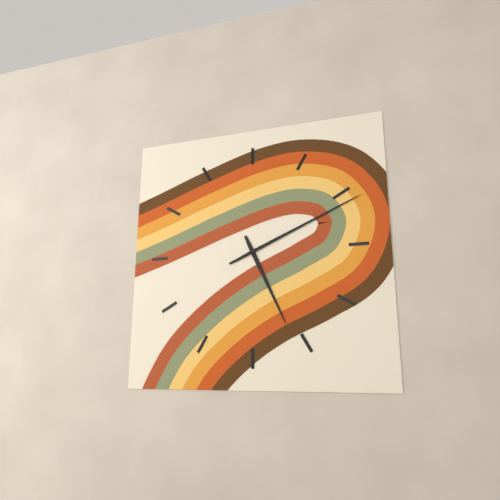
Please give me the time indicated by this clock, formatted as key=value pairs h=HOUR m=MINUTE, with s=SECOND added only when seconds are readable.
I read h=5 m=11
